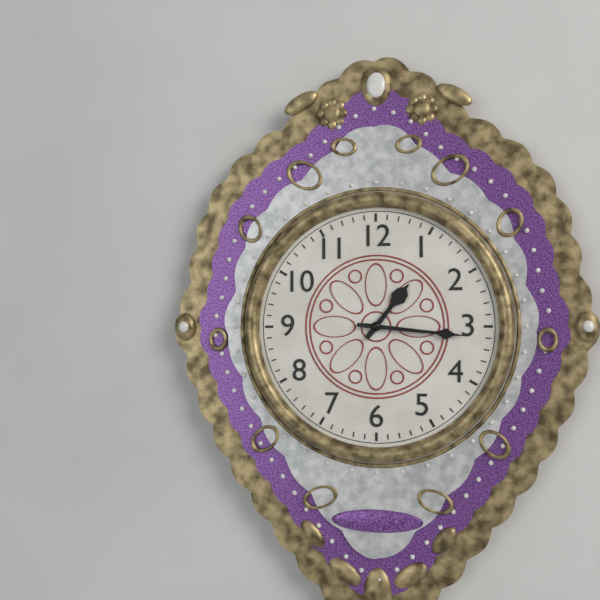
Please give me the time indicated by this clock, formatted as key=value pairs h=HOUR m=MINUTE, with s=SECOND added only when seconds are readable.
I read h=1 m=16
